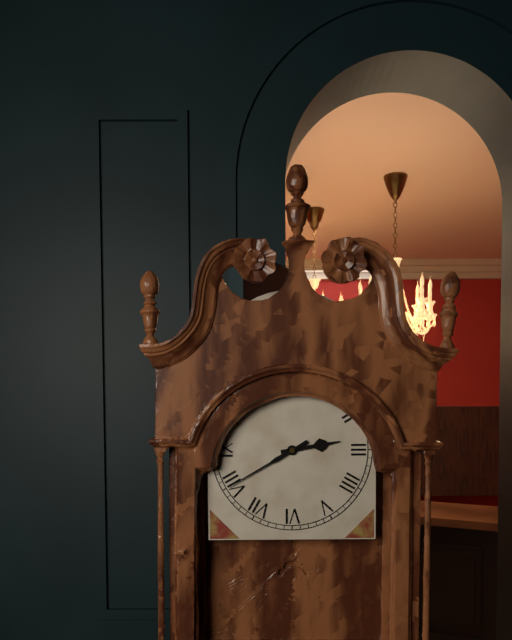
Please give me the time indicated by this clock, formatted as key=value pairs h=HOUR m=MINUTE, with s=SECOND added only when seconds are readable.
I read h=2 m=40
